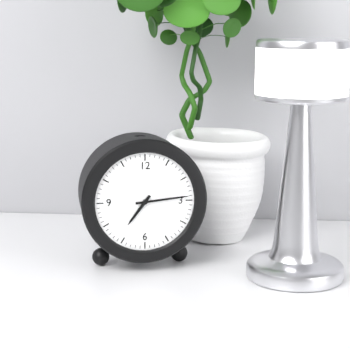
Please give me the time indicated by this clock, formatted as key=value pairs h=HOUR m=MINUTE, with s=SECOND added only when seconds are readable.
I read h=7 m=14
